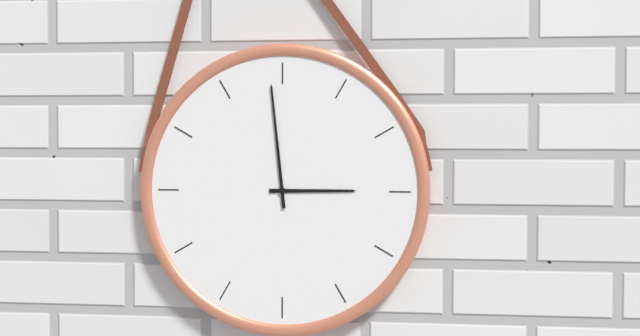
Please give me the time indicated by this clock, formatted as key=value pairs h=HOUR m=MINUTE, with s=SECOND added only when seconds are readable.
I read h=2 m=59
